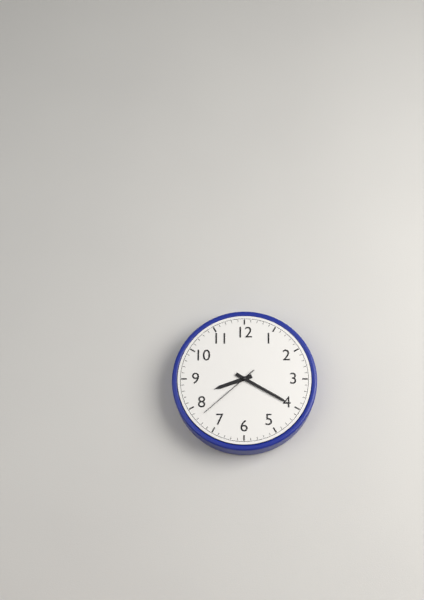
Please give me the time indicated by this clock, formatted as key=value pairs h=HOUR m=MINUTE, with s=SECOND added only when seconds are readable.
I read h=8 m=20 s=38
